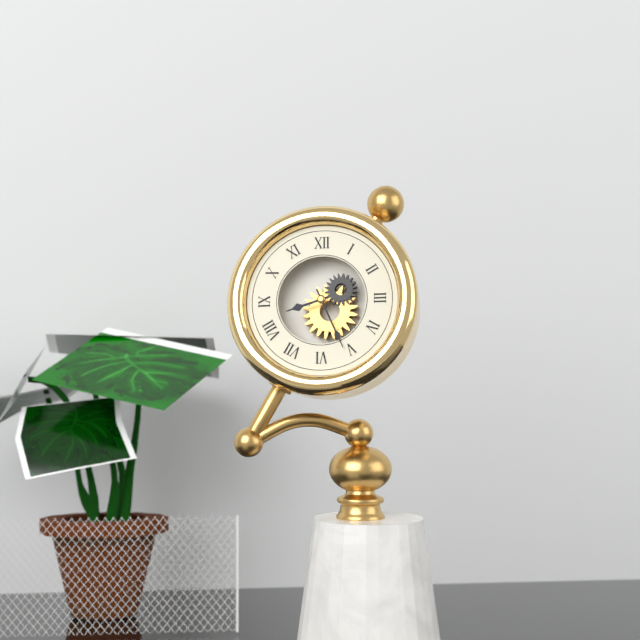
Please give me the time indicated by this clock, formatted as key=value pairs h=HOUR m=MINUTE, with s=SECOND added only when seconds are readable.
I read h=8 m=26
